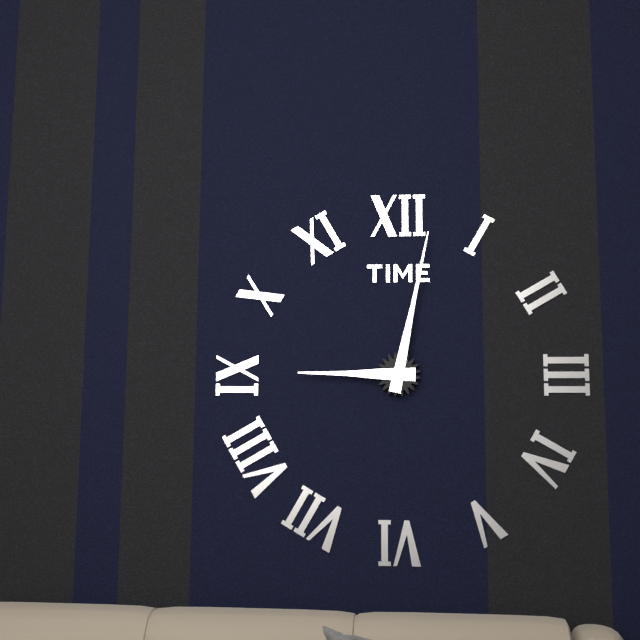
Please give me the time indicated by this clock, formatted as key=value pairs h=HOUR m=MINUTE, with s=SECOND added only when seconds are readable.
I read h=9 m=2
